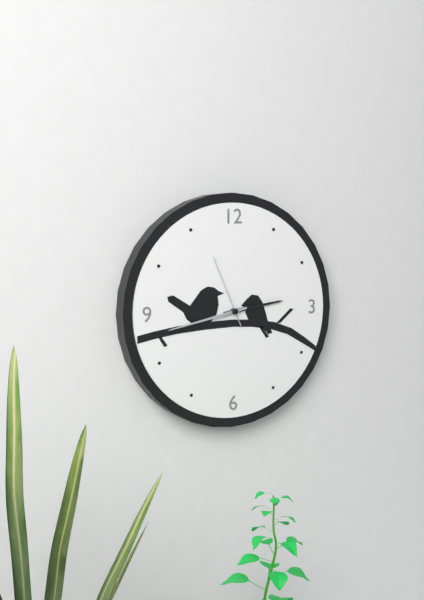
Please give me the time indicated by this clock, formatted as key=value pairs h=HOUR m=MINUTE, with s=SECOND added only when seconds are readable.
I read h=2 m=43 s=56
